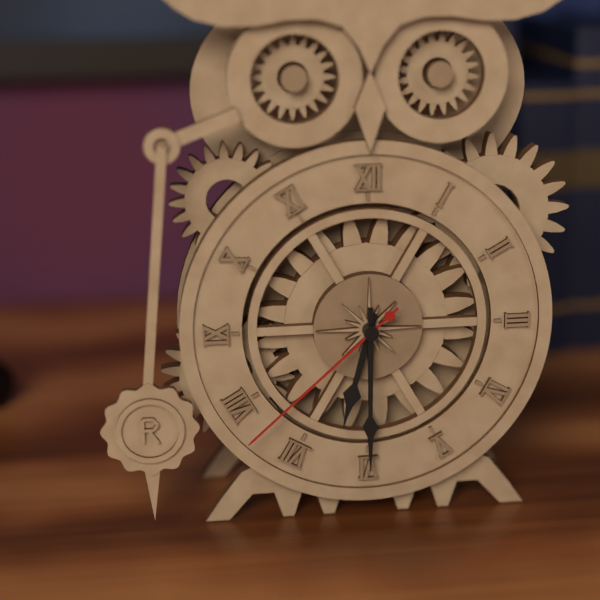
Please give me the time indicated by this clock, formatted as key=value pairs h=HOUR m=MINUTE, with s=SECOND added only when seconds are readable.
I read h=6 m=30 s=38
